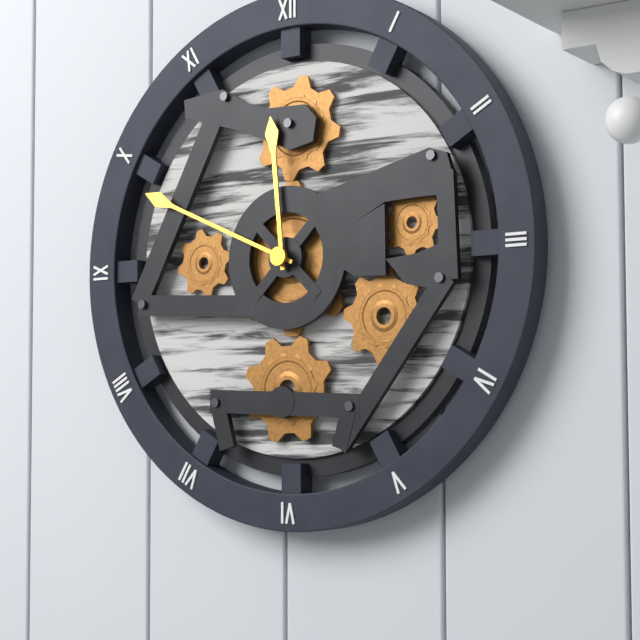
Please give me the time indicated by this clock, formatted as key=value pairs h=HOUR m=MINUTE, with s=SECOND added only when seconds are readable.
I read h=11 m=49
